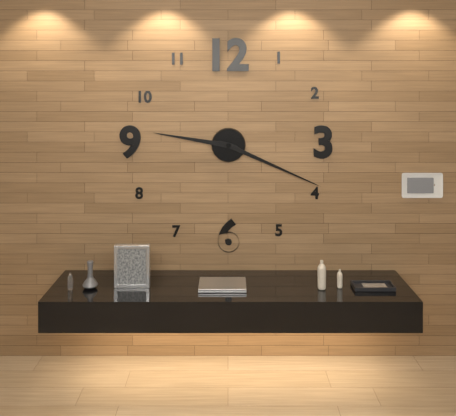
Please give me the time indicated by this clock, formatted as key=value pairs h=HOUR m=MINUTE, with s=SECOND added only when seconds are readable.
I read h=9 m=19
